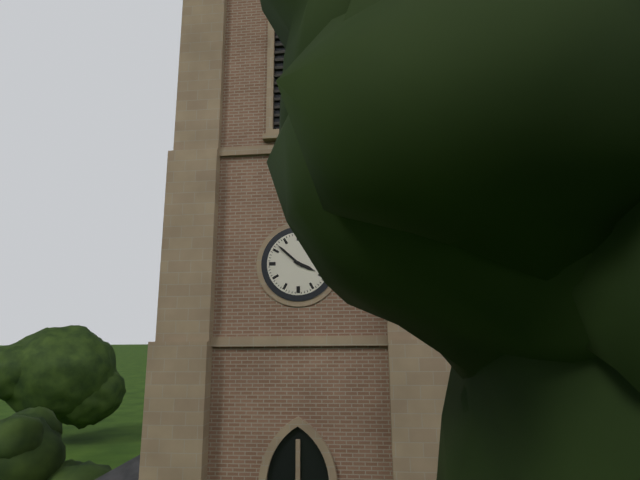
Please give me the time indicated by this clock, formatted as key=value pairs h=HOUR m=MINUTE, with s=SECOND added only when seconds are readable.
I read h=3 m=52
